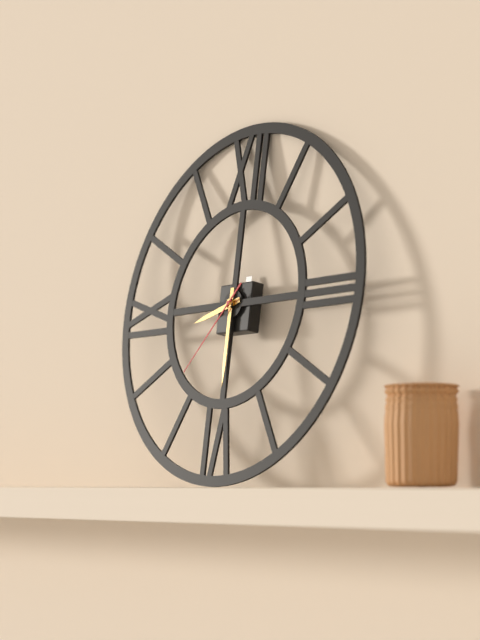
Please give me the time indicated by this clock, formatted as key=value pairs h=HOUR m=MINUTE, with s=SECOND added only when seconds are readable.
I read h=8 m=30 s=37
